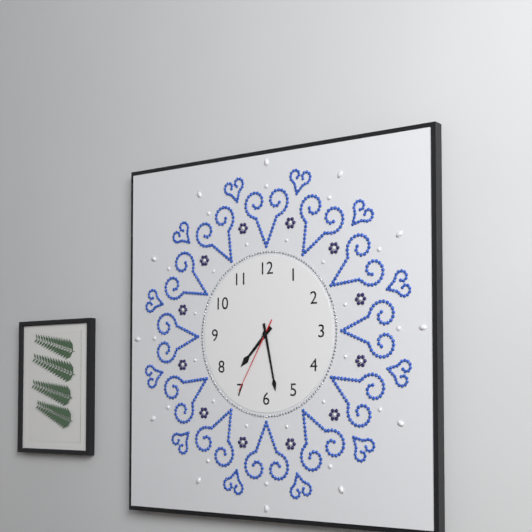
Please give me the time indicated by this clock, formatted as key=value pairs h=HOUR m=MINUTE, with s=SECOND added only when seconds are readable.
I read h=7 m=28 s=35
